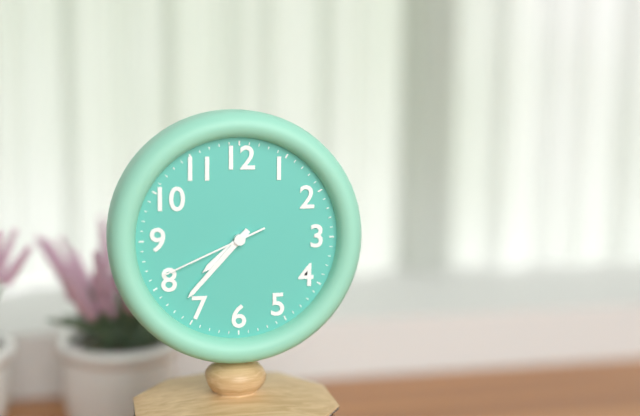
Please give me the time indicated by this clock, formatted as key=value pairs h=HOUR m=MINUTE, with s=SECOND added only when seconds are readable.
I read h=7 m=37 s=41
